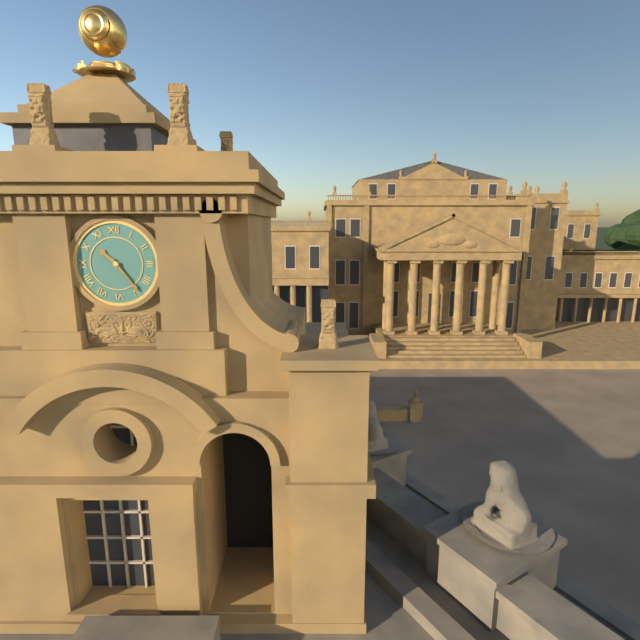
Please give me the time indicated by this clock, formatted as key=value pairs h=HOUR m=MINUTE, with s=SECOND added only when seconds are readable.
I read h=10 m=24
